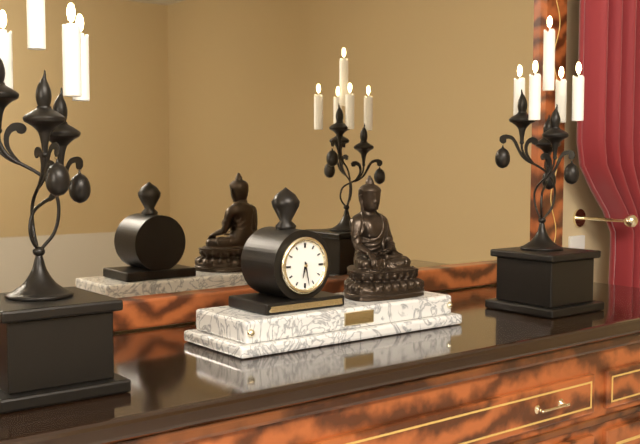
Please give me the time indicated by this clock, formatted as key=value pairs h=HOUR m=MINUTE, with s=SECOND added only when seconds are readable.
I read h=6 m=28
